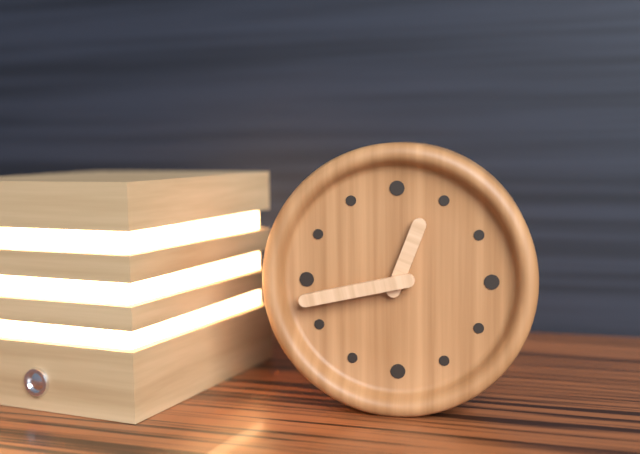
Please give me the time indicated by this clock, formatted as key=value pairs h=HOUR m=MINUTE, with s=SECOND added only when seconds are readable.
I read h=12 m=43
